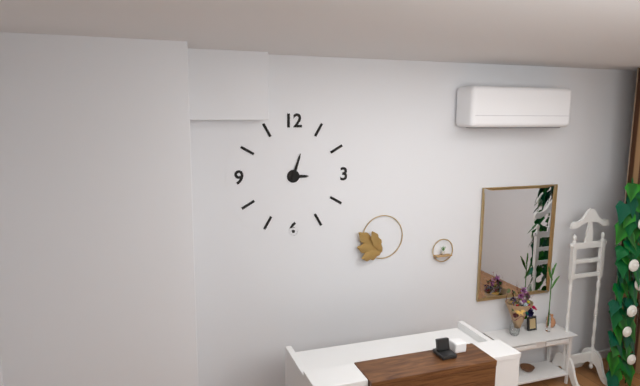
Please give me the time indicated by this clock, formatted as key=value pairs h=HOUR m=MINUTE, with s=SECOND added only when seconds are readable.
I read h=3 m=3
